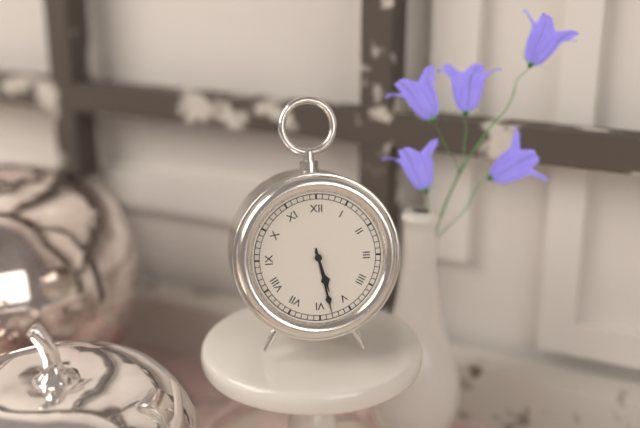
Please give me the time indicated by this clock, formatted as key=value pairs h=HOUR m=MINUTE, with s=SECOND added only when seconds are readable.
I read h=5 m=28
